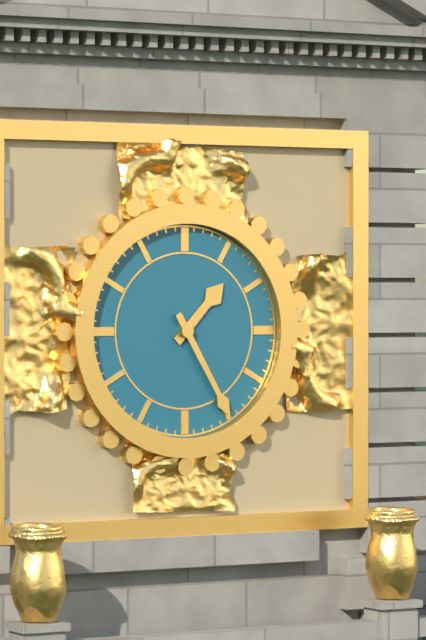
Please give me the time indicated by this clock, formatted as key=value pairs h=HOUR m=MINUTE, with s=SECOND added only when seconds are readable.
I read h=1 m=25
